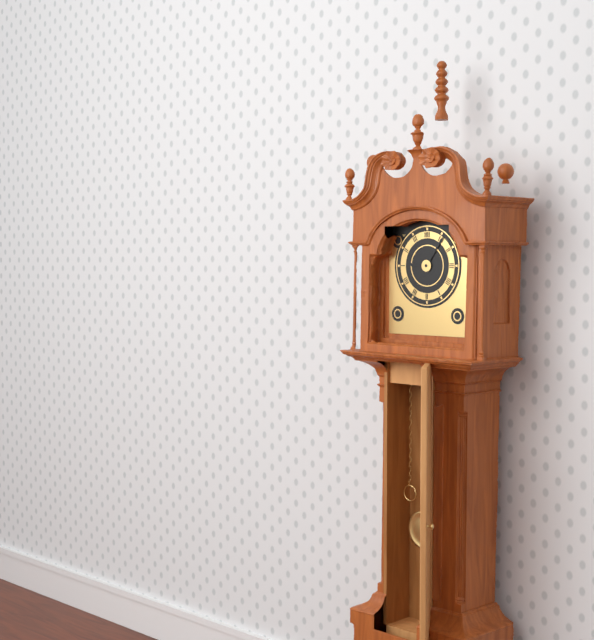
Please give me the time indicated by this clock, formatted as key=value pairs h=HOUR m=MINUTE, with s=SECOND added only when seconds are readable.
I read h=9 m=6
